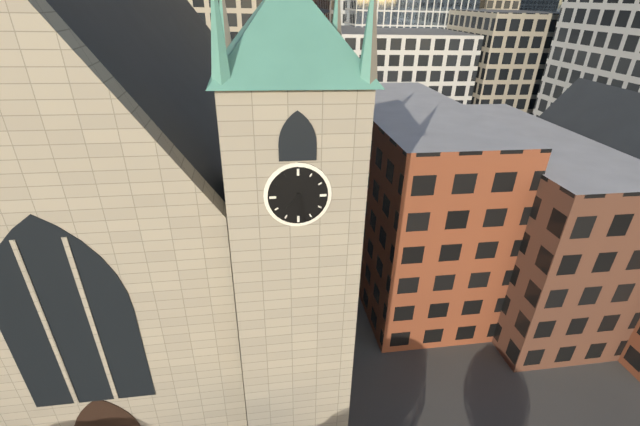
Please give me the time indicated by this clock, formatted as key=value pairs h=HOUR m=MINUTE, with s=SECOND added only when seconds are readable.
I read h=7 m=28
